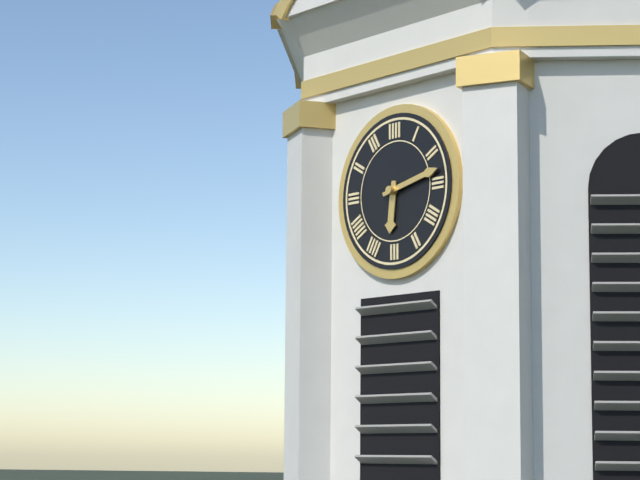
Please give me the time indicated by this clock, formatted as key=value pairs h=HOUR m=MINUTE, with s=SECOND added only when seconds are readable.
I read h=6 m=13
